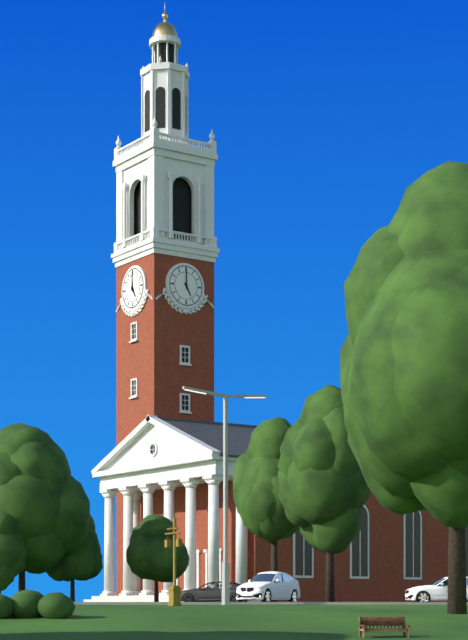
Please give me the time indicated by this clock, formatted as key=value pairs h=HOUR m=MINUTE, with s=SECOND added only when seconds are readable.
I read h=5 m=0
